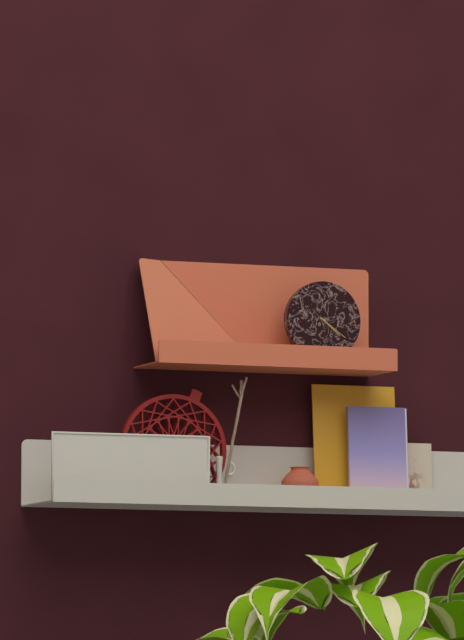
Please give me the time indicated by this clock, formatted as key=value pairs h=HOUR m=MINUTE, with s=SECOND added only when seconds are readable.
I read h=4 m=21
